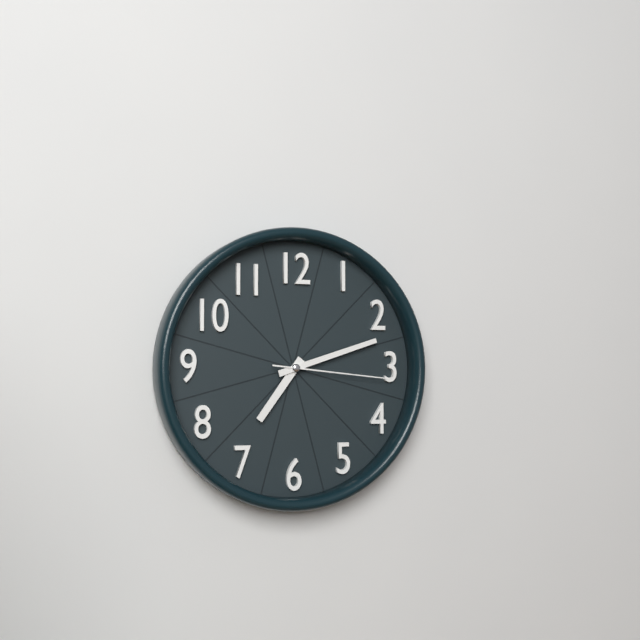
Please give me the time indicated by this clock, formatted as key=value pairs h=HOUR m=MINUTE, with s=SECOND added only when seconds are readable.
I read h=7 m=12 s=16
